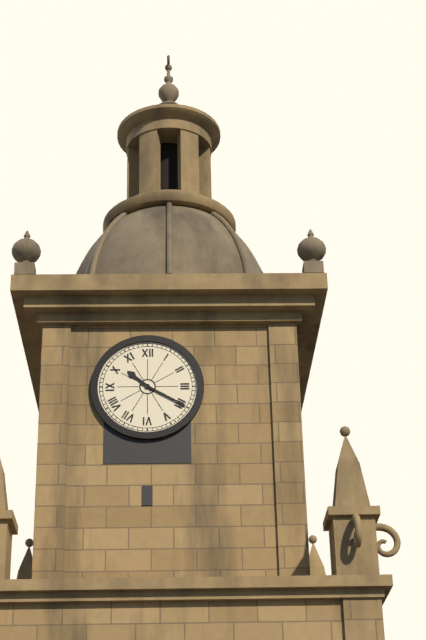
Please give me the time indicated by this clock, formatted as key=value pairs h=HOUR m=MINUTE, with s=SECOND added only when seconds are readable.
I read h=10 m=20
